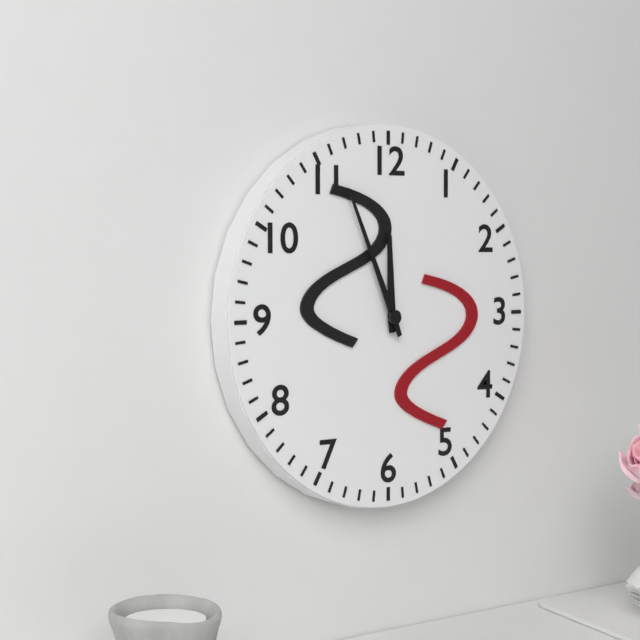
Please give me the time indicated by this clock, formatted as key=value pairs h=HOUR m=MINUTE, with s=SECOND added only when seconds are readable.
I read h=11 m=56
